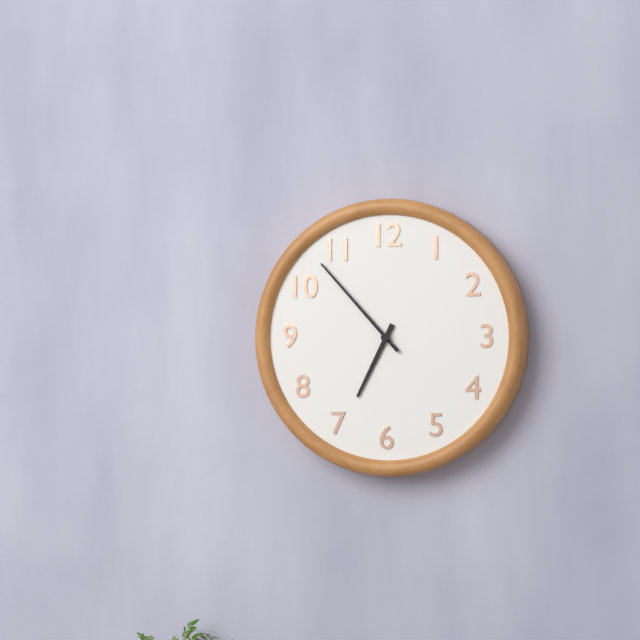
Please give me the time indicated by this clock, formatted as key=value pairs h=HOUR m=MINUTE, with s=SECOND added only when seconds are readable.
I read h=6 m=53
